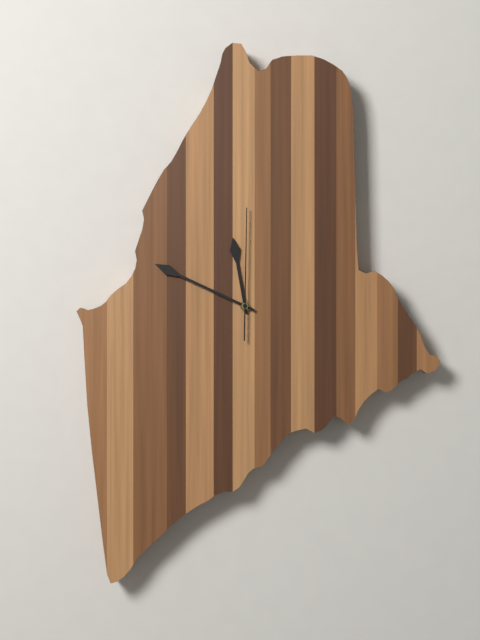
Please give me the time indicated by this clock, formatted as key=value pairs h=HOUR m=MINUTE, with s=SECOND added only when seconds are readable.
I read h=11 m=50 s=1
